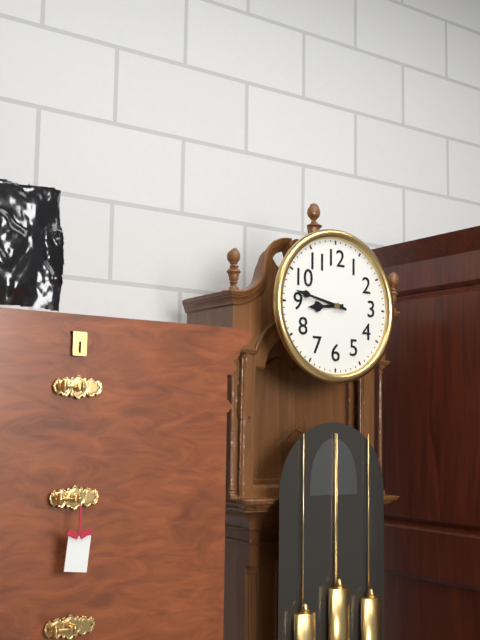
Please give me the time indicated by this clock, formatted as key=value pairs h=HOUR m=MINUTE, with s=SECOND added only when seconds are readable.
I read h=8 m=47
